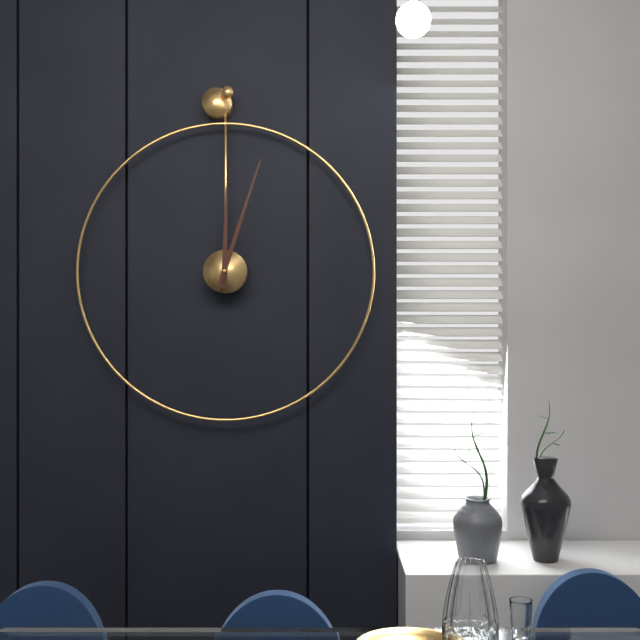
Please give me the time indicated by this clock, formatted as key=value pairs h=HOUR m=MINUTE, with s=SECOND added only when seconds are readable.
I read h=12 m=3
